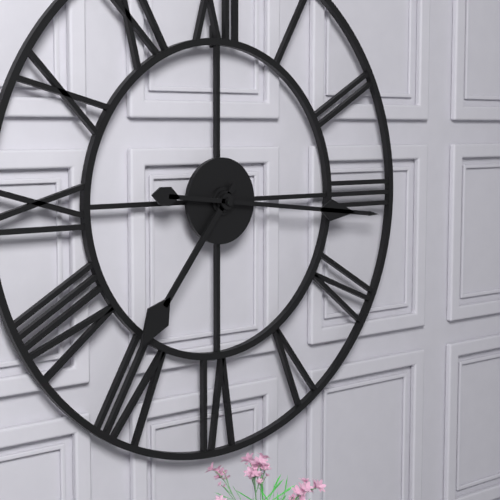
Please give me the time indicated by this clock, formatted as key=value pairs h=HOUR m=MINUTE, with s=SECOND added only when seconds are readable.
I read h=7 m=16
